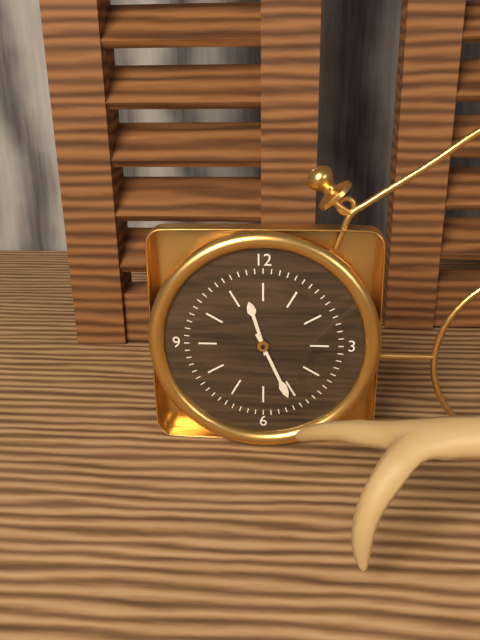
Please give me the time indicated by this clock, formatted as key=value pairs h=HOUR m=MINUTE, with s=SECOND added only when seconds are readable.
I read h=11 m=26
